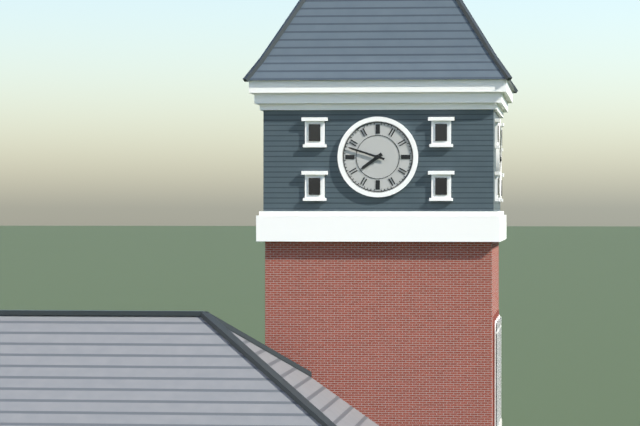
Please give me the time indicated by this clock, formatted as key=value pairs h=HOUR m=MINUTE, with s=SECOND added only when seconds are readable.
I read h=7 m=48
